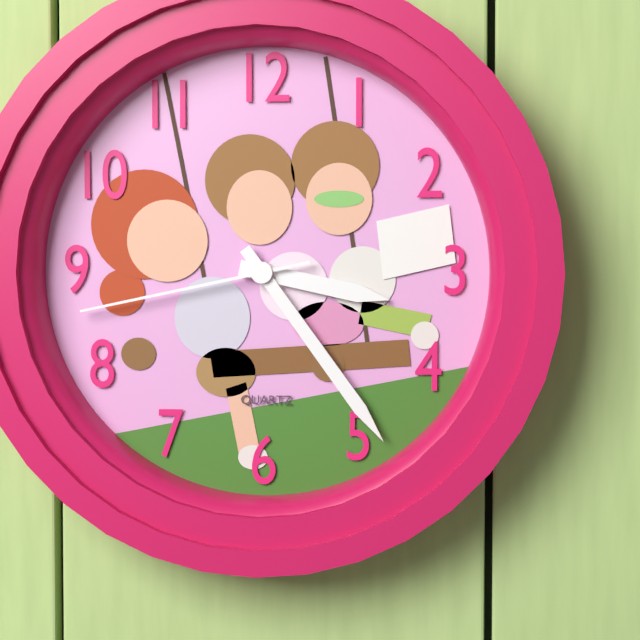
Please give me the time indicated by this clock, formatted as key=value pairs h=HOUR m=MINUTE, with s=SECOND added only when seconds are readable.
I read h=3 m=24 s=43
